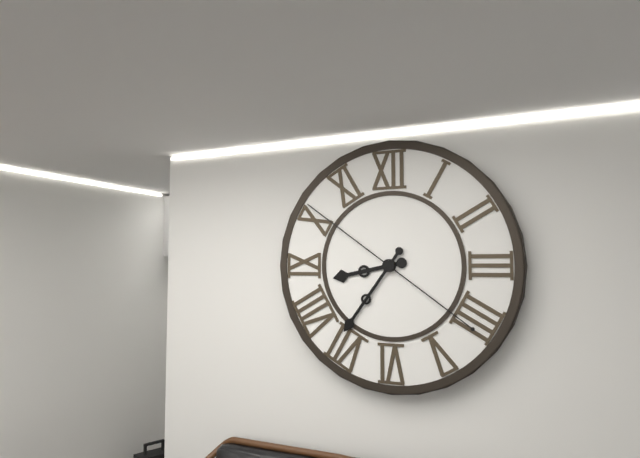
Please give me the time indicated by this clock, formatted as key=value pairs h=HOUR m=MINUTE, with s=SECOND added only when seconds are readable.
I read h=8 m=36 s=51
